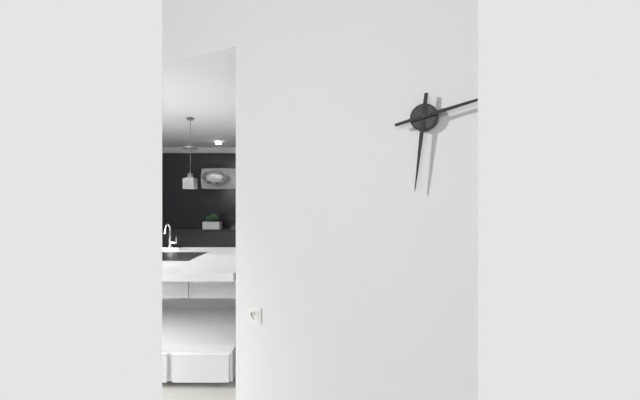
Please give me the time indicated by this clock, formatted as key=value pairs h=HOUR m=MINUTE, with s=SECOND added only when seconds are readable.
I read h=6 m=13
